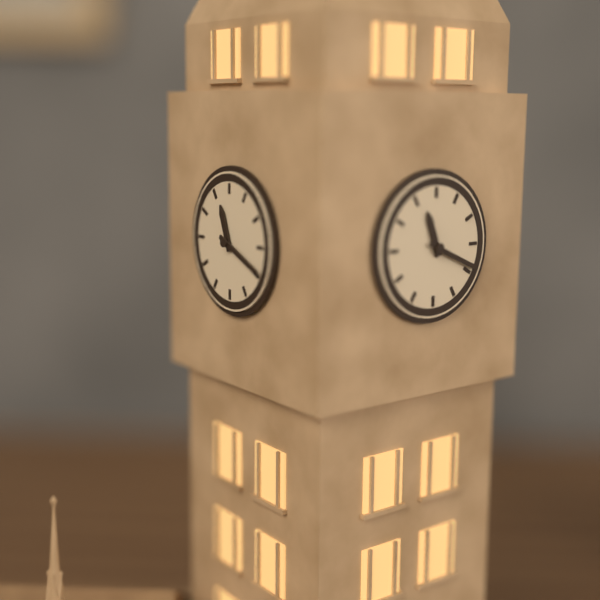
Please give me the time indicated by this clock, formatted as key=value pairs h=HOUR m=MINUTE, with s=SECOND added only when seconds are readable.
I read h=11 m=19
